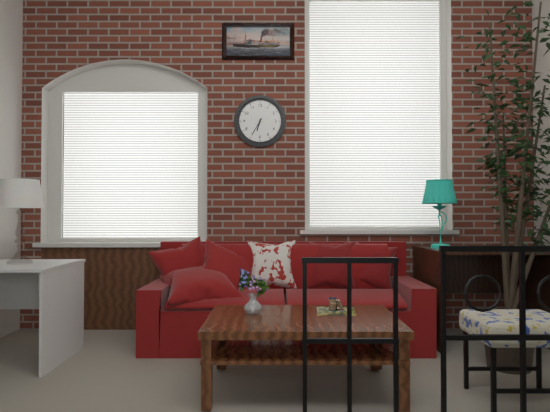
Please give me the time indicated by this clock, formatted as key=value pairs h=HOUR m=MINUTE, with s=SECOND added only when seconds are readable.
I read h=6 m=35
